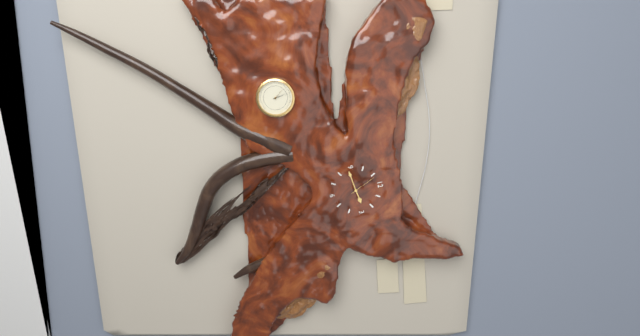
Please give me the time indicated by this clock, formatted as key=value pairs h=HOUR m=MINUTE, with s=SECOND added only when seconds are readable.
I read h=2 m=44
